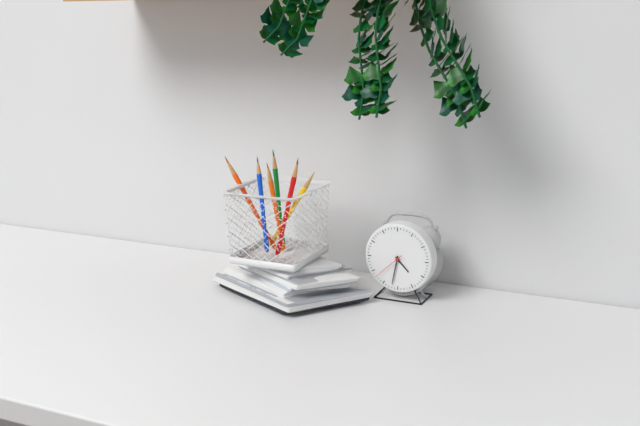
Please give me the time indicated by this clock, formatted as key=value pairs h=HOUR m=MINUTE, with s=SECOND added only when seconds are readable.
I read h=4 m=32
